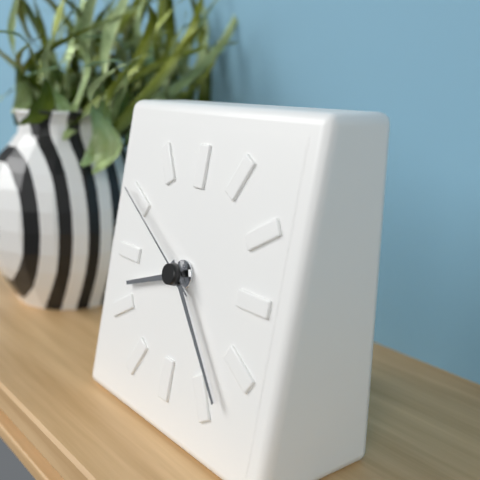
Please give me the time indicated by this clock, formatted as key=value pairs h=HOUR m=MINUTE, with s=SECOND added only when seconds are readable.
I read h=8 m=23 s=50
